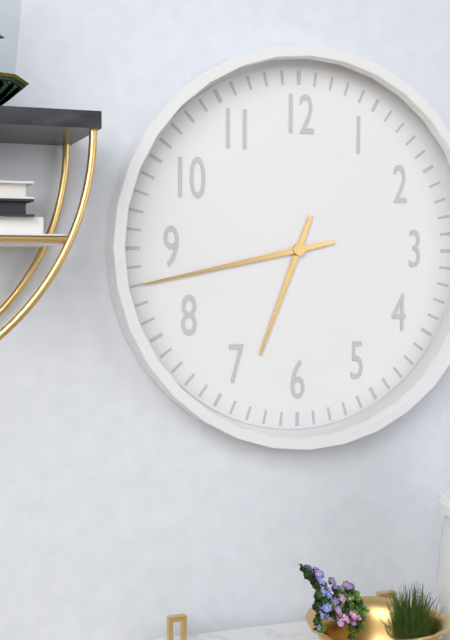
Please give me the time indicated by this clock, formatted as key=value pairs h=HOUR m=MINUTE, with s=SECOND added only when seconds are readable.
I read h=6 m=43
